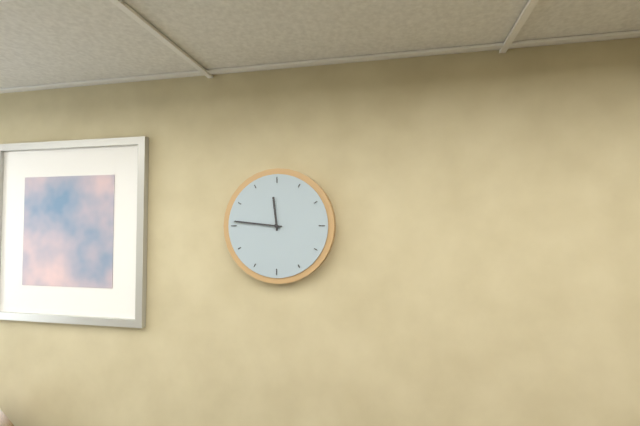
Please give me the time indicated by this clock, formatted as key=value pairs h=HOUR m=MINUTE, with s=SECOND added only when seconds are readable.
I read h=11 m=46
